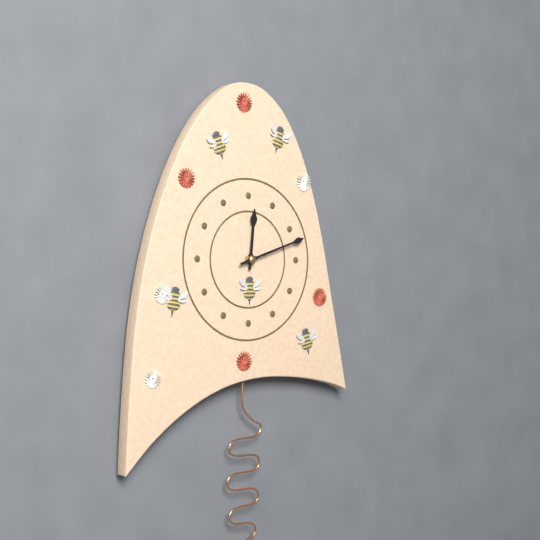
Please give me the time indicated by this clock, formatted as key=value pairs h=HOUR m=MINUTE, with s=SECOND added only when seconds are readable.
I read h=12 m=12
